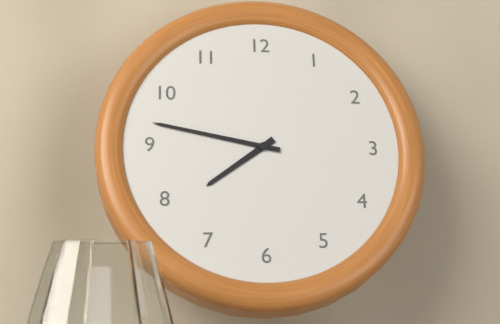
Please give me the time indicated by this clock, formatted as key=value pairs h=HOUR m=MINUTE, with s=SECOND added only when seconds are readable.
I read h=7 m=47
